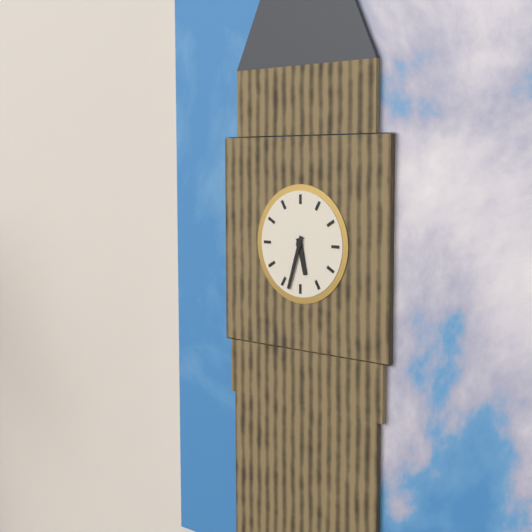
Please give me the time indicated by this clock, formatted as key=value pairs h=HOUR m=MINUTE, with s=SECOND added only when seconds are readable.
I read h=5 m=33
